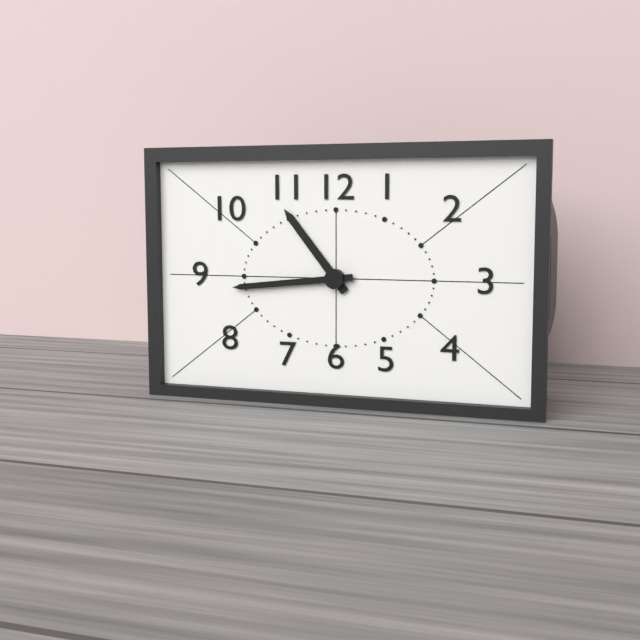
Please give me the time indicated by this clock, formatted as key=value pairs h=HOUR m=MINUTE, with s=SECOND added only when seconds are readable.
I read h=10 m=44
